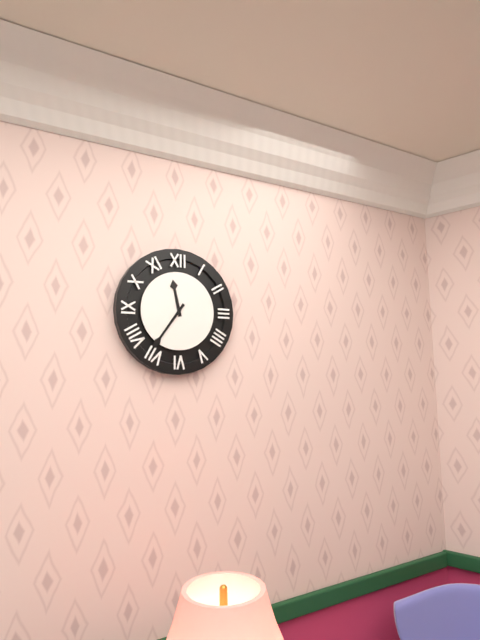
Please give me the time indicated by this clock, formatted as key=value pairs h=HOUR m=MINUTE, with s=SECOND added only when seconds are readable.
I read h=11 m=36
